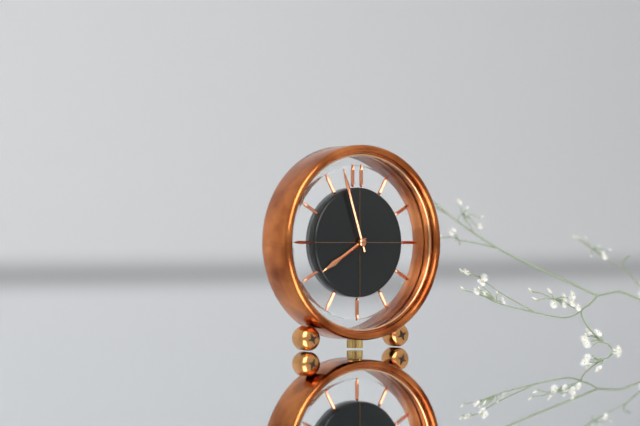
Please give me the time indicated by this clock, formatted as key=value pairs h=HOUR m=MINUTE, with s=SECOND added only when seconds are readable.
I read h=7 m=57
